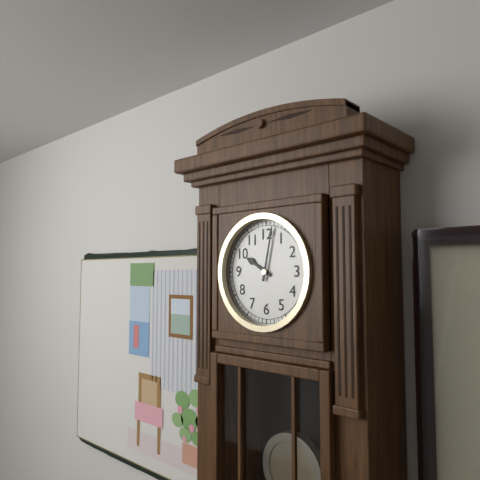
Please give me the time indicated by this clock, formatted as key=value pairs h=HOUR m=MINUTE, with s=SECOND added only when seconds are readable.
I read h=10 m=2
